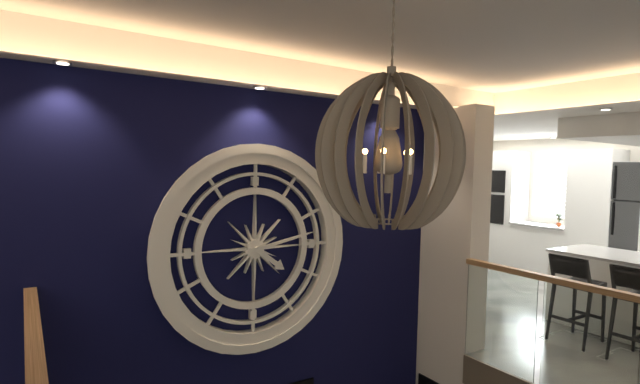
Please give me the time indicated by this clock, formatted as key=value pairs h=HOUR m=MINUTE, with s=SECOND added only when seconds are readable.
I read h=4 m=13
